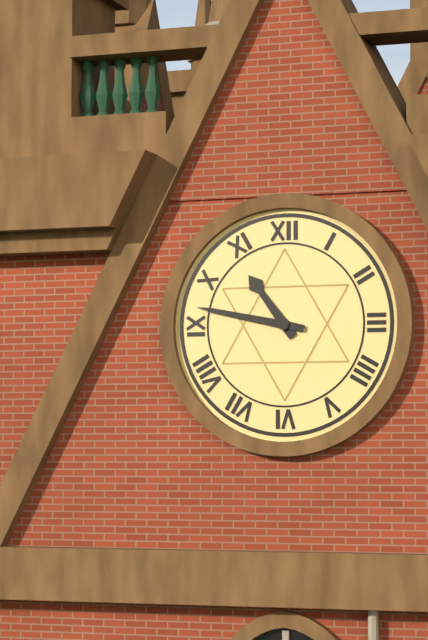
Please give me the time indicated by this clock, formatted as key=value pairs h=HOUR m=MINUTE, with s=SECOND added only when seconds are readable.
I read h=10 m=47
